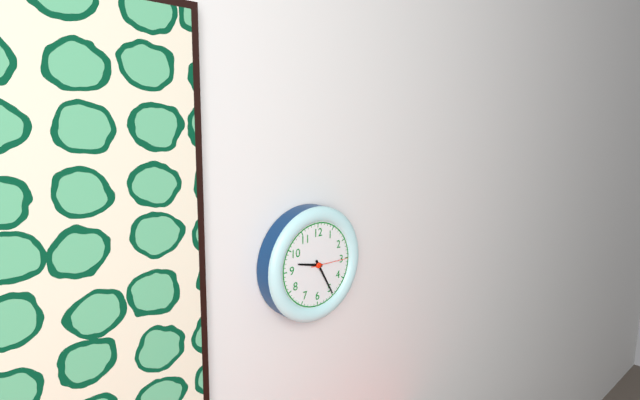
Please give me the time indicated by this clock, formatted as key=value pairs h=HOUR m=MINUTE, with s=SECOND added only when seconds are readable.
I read h=9 m=25 s=15
